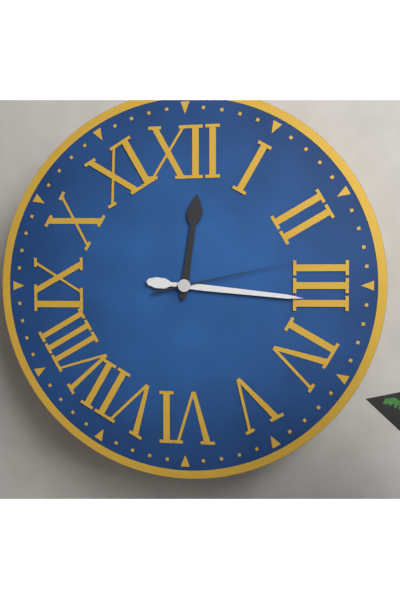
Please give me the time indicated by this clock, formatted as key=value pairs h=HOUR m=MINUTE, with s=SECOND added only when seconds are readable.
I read h=12 m=16 s=13
